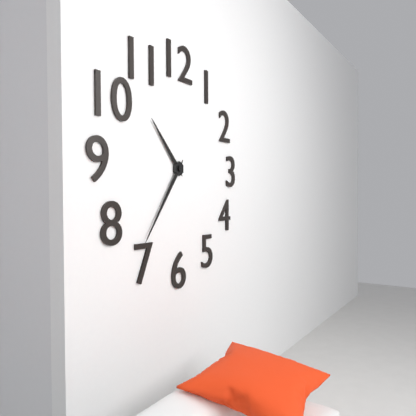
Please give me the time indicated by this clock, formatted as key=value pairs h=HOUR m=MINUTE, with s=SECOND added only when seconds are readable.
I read h=10 m=36
